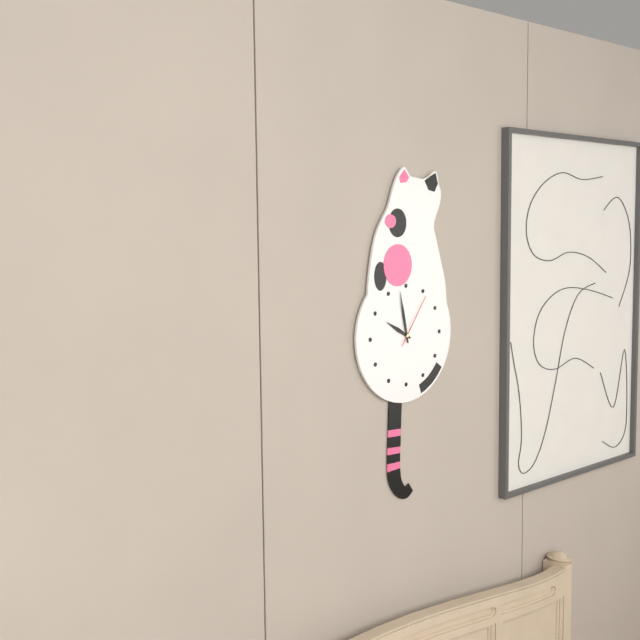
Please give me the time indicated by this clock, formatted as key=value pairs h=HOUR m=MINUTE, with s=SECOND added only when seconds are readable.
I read h=9 m=58 s=6
